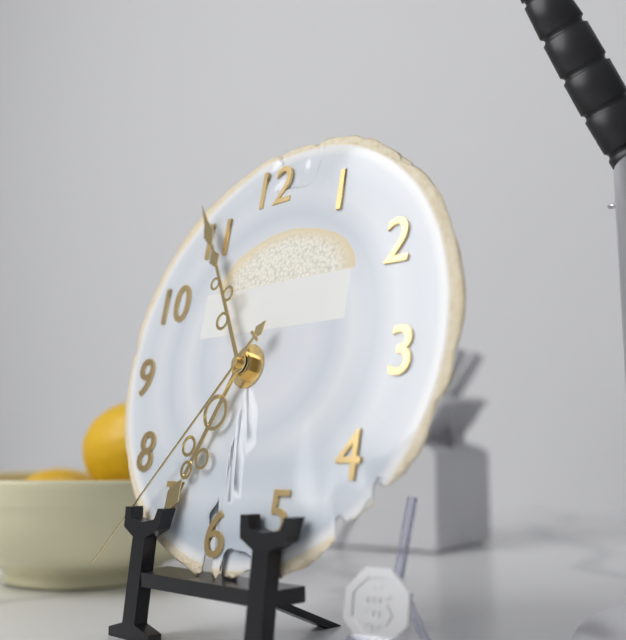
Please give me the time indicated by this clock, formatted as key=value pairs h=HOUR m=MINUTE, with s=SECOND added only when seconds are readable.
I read h=6 m=55 s=37
